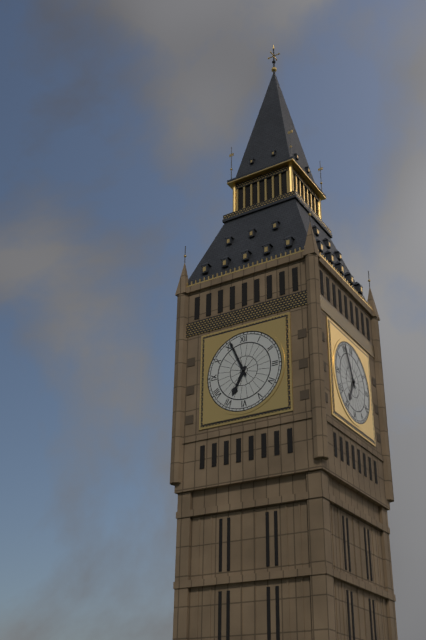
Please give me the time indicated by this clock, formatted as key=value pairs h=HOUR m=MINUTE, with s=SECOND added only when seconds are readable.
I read h=6 m=56
